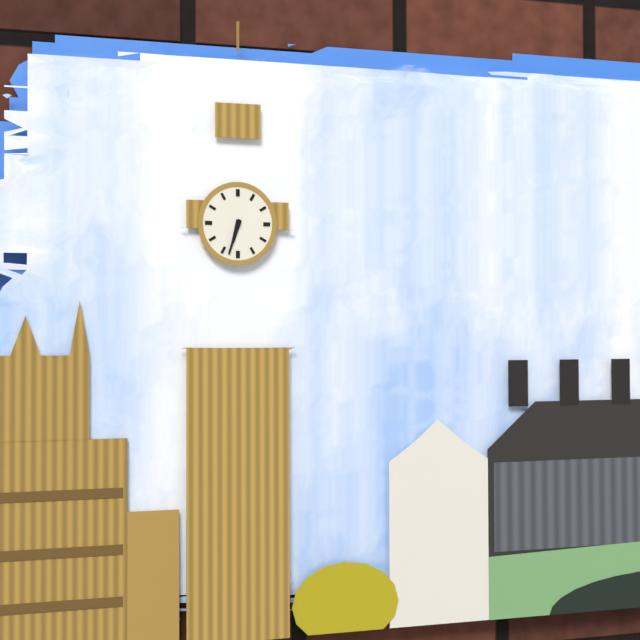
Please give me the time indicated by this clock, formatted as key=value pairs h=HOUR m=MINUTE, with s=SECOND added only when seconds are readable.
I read h=6 m=33
